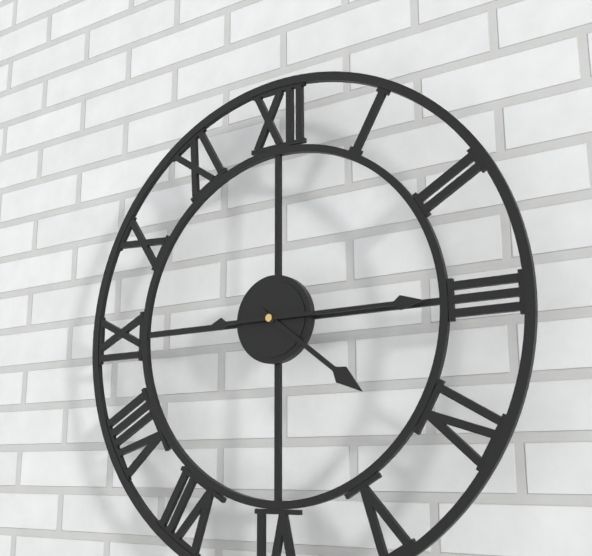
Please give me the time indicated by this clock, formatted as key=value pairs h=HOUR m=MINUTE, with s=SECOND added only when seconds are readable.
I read h=4 m=15
